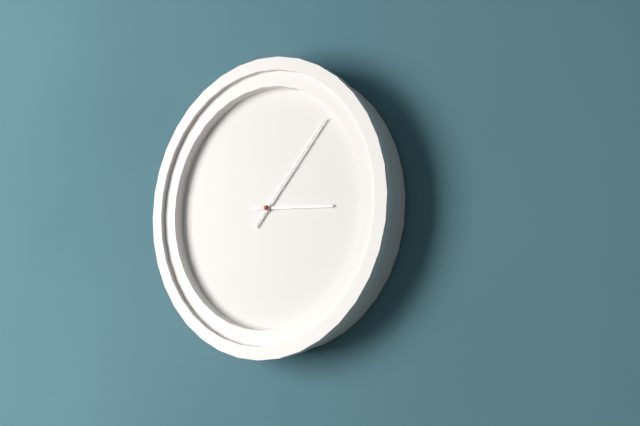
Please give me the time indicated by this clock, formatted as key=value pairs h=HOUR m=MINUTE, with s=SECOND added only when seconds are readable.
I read h=3 m=7
